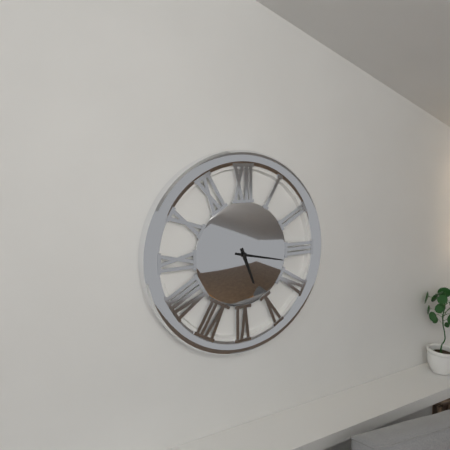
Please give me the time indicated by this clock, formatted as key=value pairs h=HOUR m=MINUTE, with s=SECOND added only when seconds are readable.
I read h=5 m=17
